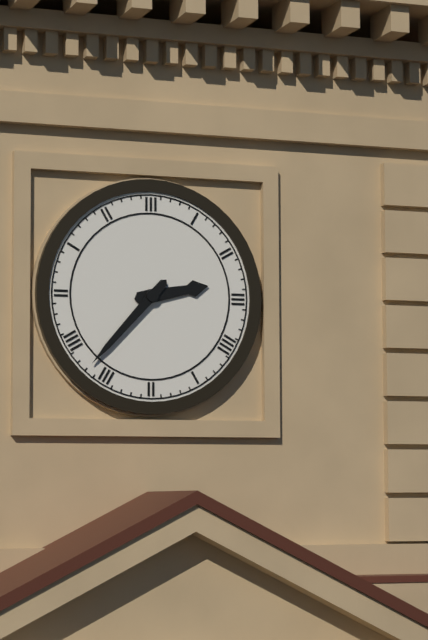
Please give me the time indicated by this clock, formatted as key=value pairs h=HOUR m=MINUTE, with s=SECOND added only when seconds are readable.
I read h=2 m=37
